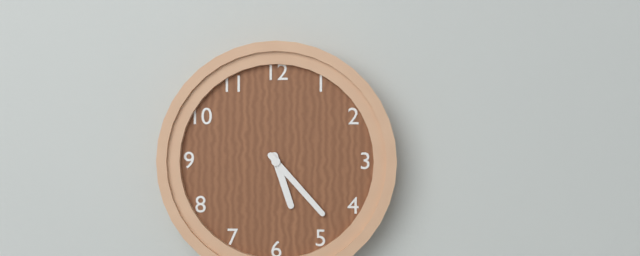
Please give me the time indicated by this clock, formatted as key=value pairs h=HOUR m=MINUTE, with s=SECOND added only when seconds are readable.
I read h=5 m=23
